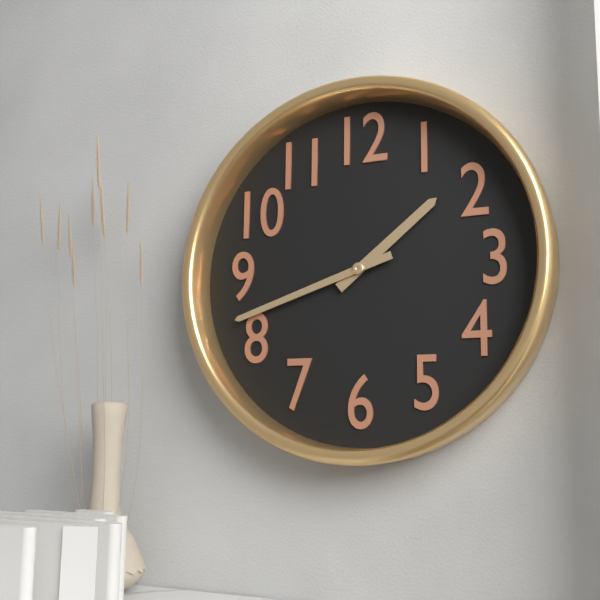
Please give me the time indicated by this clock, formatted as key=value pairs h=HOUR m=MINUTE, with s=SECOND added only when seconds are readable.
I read h=1 m=42
